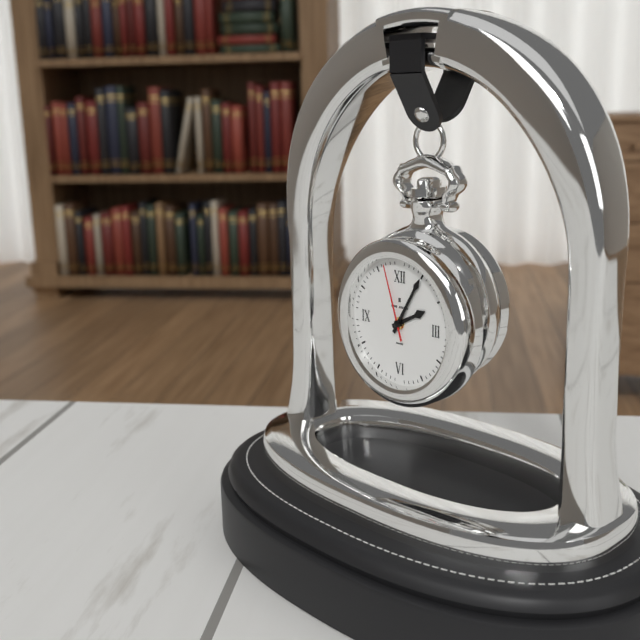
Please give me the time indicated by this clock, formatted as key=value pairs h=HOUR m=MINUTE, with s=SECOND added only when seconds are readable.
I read h=2 m=5 s=57
